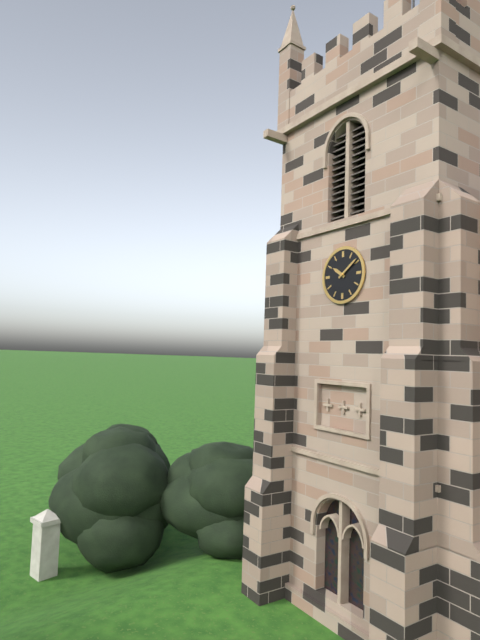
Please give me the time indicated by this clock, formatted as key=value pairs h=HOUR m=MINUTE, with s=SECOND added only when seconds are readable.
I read h=10 m=9
